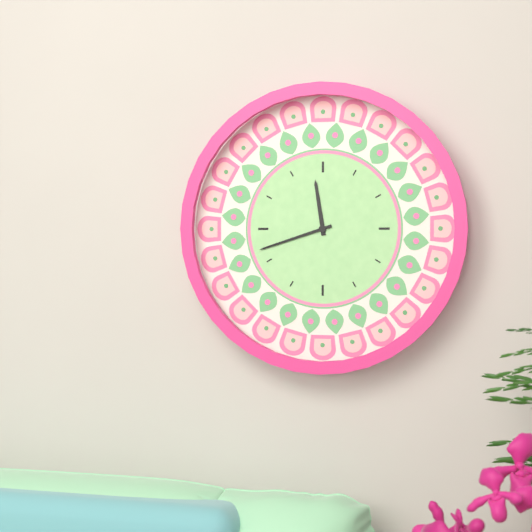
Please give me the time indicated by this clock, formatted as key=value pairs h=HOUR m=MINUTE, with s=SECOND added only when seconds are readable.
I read h=11 m=42
